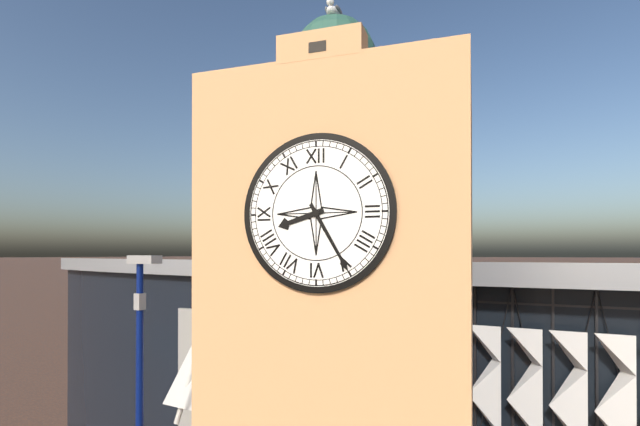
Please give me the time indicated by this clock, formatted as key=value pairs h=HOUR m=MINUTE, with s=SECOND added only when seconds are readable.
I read h=8 m=25
